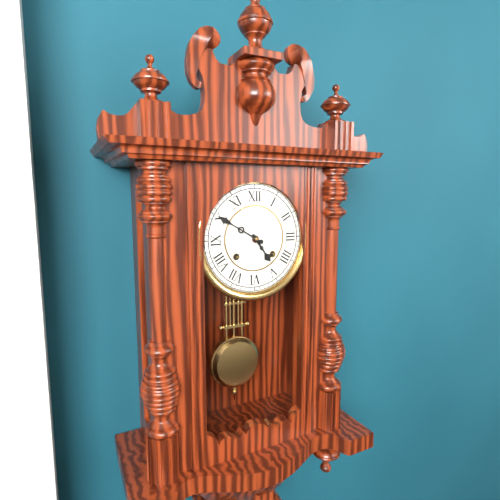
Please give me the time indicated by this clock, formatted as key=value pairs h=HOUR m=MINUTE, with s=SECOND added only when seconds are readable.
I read h=4 m=50
